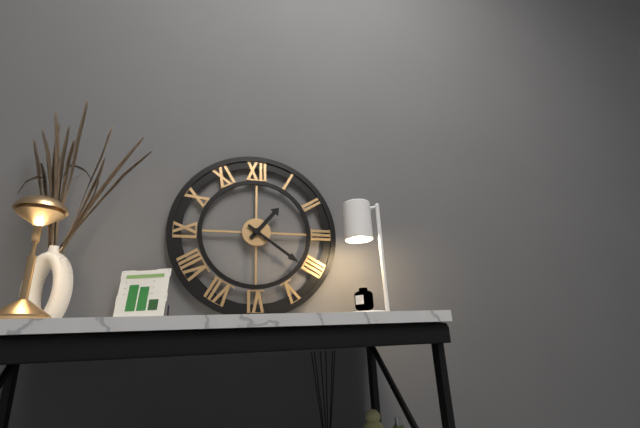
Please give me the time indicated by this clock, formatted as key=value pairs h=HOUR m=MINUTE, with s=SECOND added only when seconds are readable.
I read h=1 m=21
